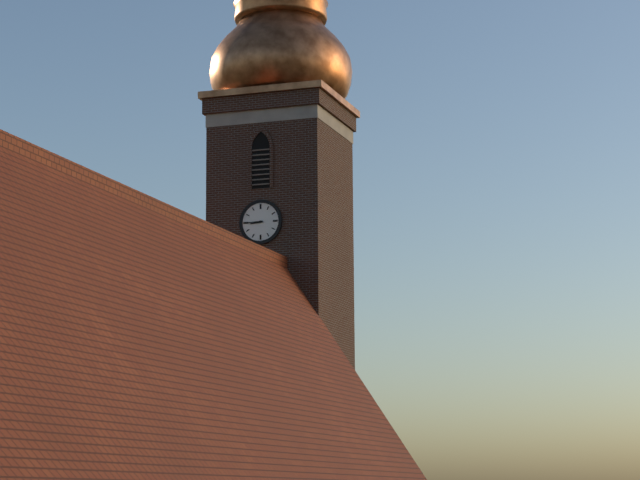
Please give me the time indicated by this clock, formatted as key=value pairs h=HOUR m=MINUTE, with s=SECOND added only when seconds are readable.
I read h=8 m=45
